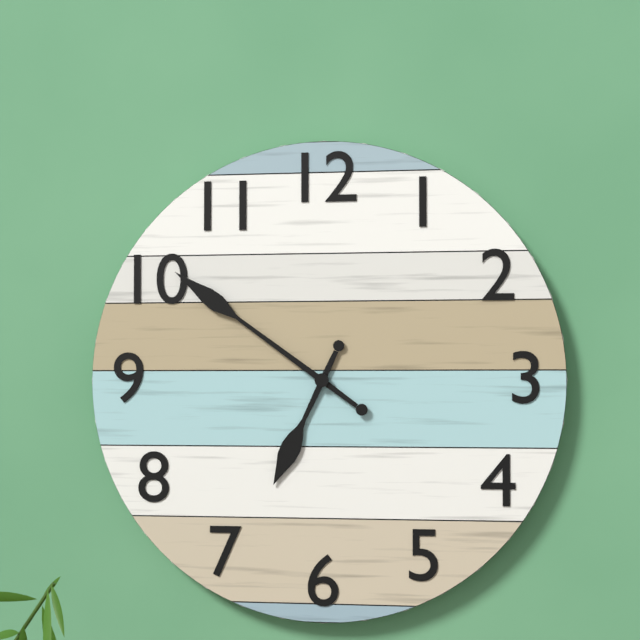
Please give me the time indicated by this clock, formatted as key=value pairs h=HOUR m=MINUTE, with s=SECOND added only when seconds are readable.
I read h=6 m=51
